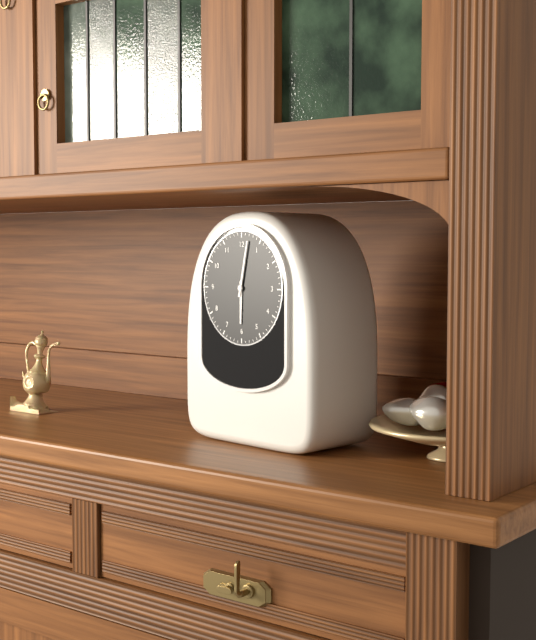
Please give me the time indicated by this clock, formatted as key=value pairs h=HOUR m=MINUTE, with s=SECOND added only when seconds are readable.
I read h=6 m=2
